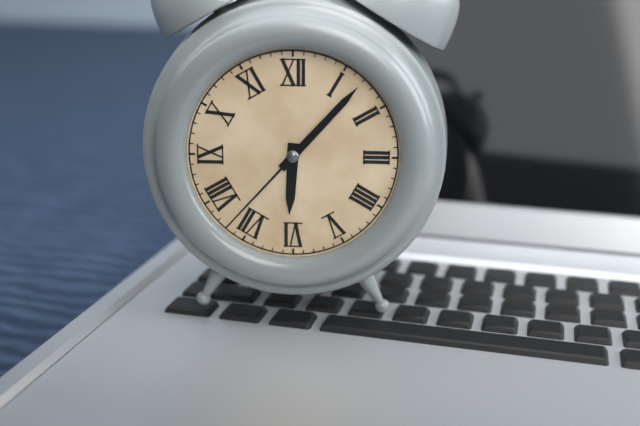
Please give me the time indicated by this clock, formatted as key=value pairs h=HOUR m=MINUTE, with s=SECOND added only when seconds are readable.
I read h=6 m=7 s=37
